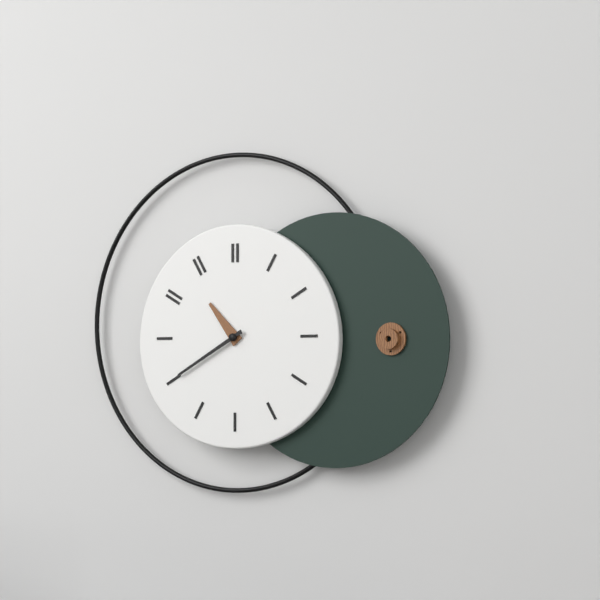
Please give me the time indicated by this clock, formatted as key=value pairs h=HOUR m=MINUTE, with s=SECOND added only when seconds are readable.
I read h=10 m=40
